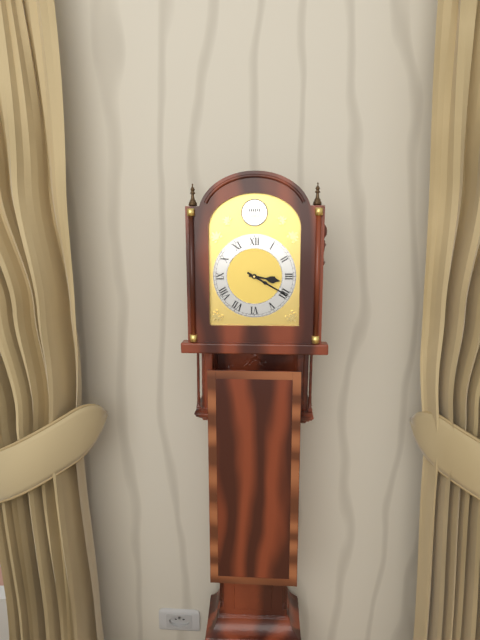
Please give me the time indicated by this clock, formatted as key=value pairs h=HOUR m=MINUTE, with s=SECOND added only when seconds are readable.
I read h=3 m=20
